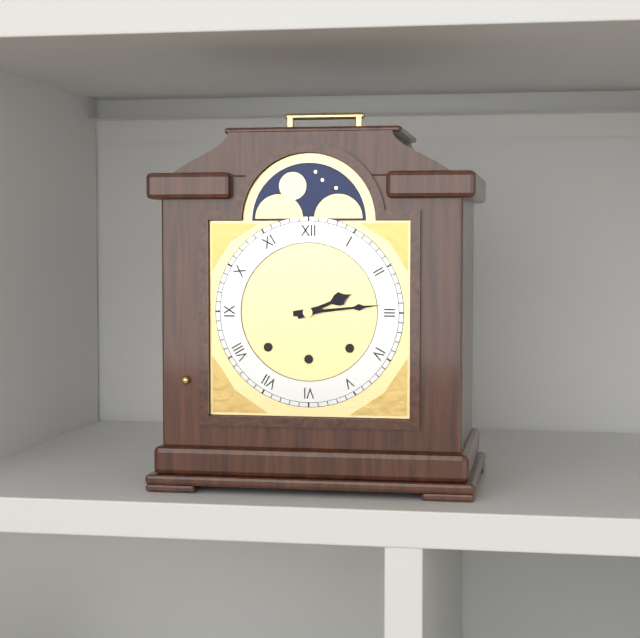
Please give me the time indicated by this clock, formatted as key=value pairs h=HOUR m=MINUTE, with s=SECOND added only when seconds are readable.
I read h=2 m=14
